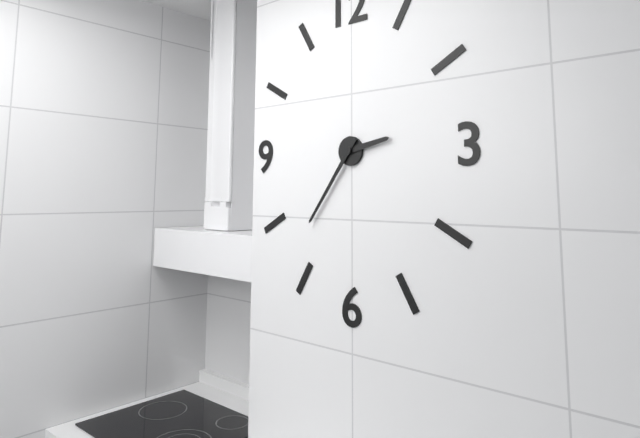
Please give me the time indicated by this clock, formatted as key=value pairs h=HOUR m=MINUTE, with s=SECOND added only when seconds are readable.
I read h=2 m=36
